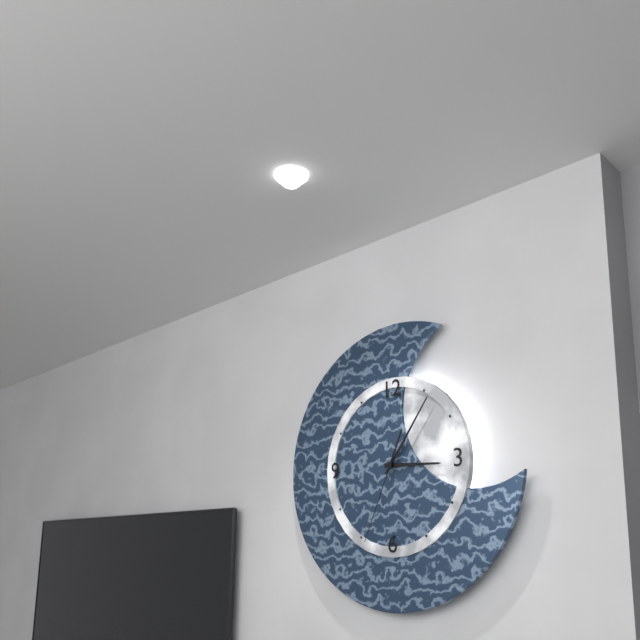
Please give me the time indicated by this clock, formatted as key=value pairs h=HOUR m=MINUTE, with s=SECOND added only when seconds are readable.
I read h=3 m=6 s=34
